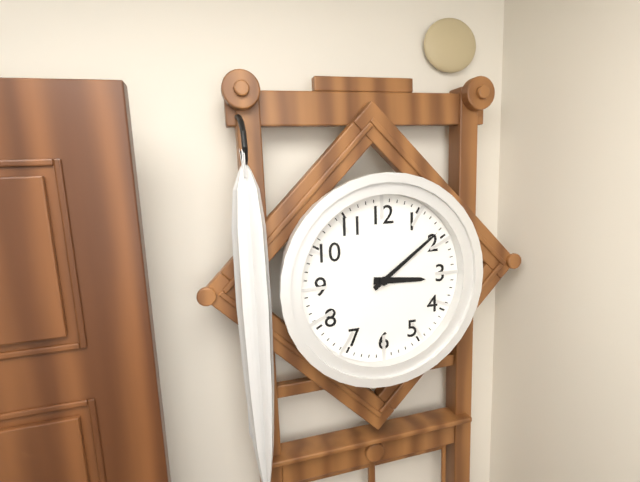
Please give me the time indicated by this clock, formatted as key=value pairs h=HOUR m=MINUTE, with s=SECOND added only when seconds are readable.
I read h=3 m=9
